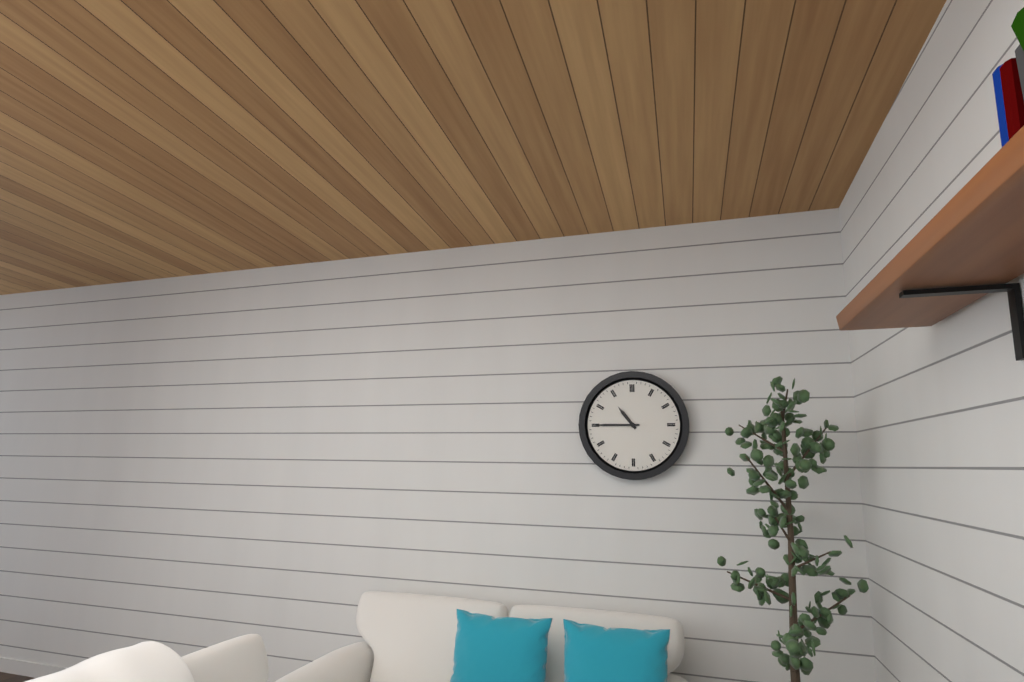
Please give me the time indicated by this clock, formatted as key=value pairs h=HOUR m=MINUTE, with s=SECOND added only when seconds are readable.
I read h=10 m=45
